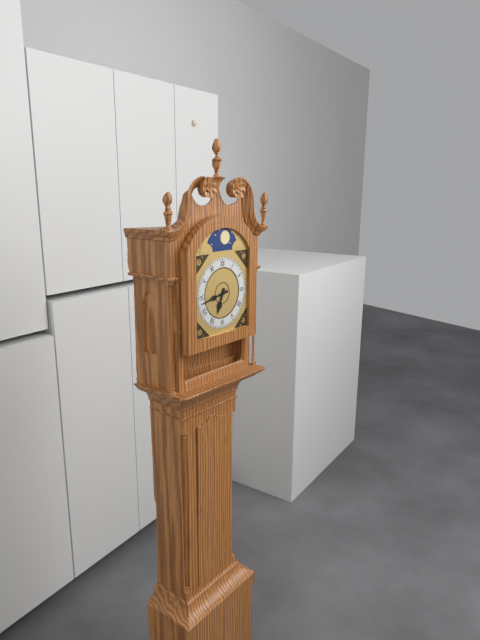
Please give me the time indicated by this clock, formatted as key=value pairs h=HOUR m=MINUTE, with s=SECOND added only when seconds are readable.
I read h=6 m=43
